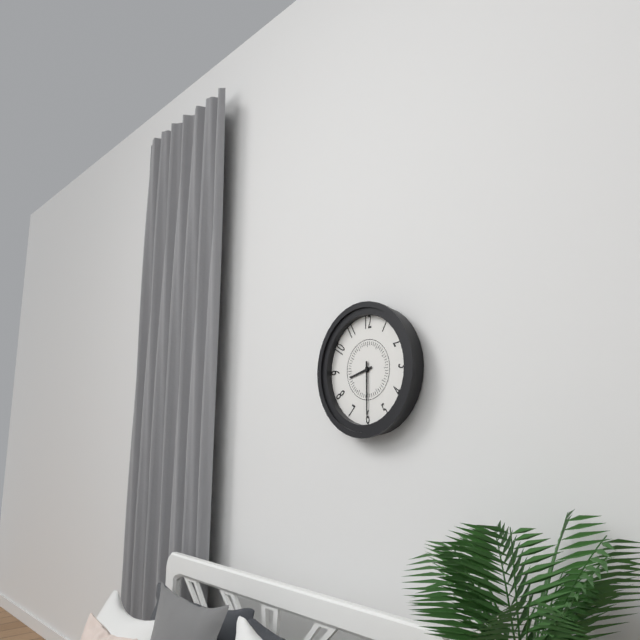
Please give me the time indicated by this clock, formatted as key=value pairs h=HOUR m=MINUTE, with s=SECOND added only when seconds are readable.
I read h=8 m=30
